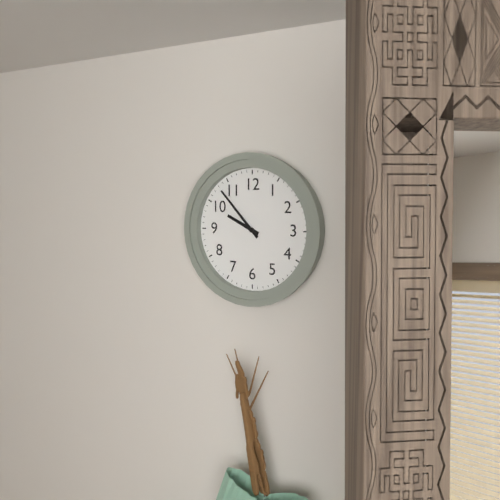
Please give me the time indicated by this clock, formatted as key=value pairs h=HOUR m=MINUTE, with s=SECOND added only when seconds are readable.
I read h=9 m=53
